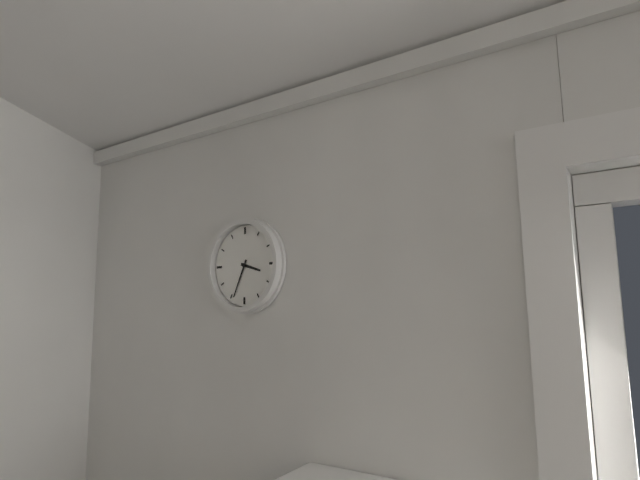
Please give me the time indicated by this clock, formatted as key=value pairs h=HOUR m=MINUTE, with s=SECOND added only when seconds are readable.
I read h=3 m=34
